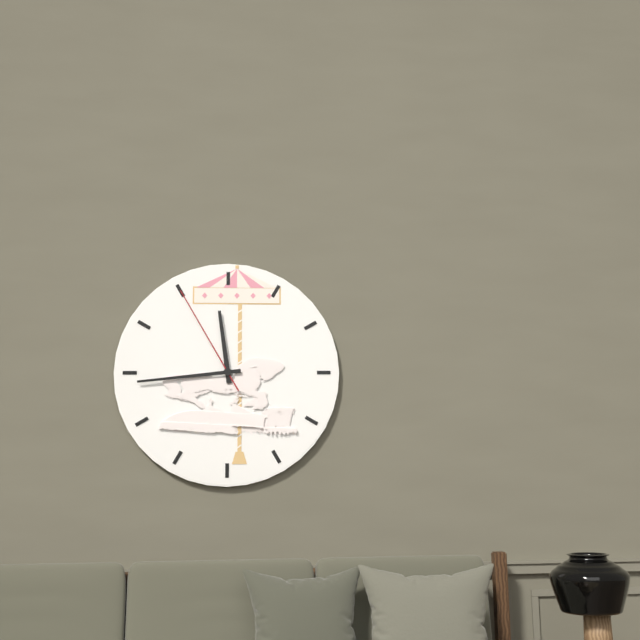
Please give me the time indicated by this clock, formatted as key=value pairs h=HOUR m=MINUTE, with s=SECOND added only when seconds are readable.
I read h=11 m=44 s=55
